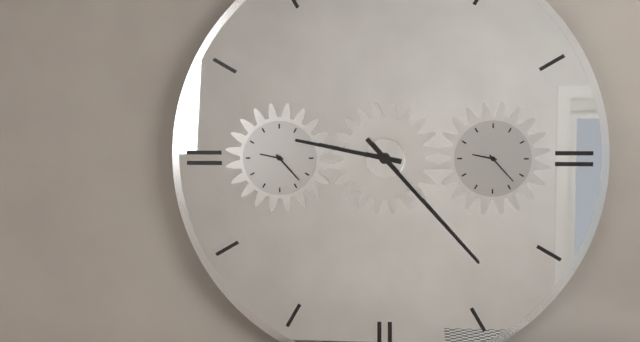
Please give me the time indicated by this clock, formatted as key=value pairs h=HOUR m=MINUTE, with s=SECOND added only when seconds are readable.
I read h=9 m=23
